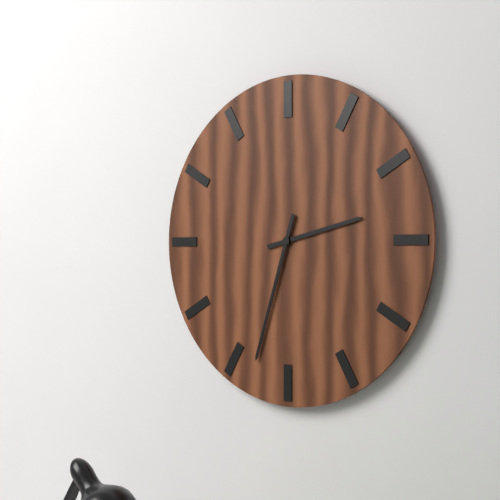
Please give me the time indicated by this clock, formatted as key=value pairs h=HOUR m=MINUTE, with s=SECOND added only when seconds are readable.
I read h=2 m=33
